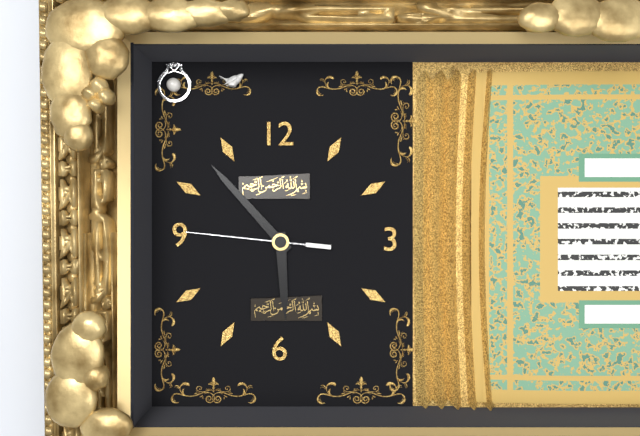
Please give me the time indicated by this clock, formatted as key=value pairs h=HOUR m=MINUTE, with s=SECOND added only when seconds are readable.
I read h=5 m=53 s=46
